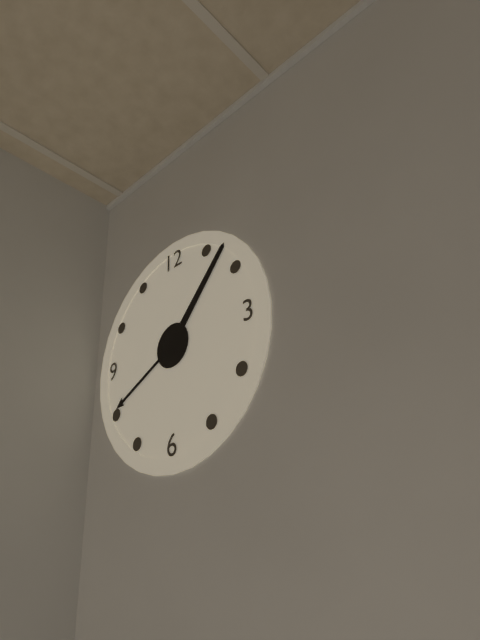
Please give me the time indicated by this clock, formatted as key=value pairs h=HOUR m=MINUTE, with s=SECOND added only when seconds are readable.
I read h=8 m=7
